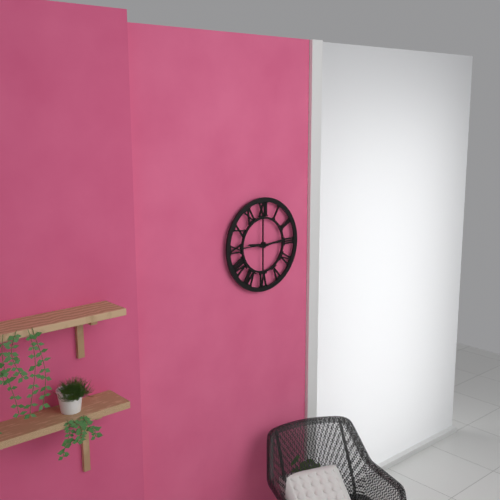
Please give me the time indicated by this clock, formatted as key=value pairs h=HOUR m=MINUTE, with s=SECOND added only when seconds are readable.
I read h=9 m=14
